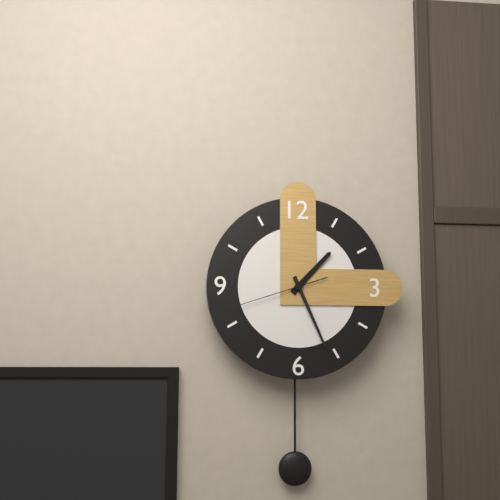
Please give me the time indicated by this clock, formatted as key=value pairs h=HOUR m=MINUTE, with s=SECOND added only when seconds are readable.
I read h=1 m=26 s=42
